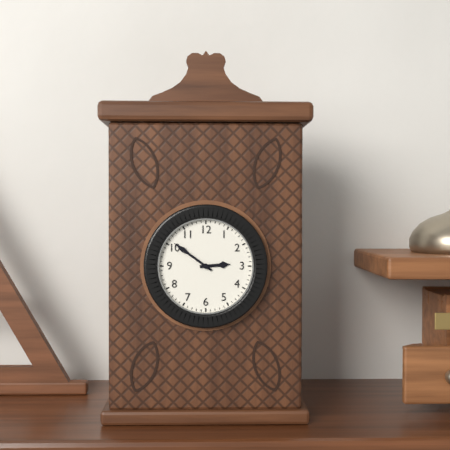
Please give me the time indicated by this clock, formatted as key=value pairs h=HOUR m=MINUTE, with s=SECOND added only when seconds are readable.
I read h=2 m=51
